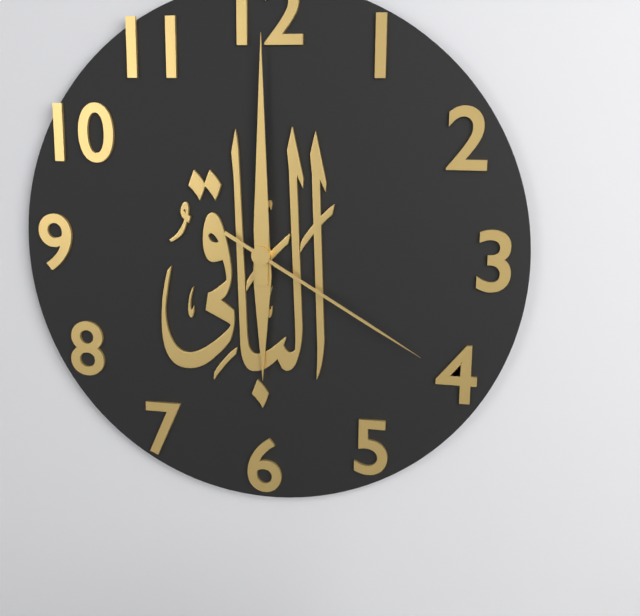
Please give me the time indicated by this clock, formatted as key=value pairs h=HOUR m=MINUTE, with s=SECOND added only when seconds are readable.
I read h=6 m=0 s=20
